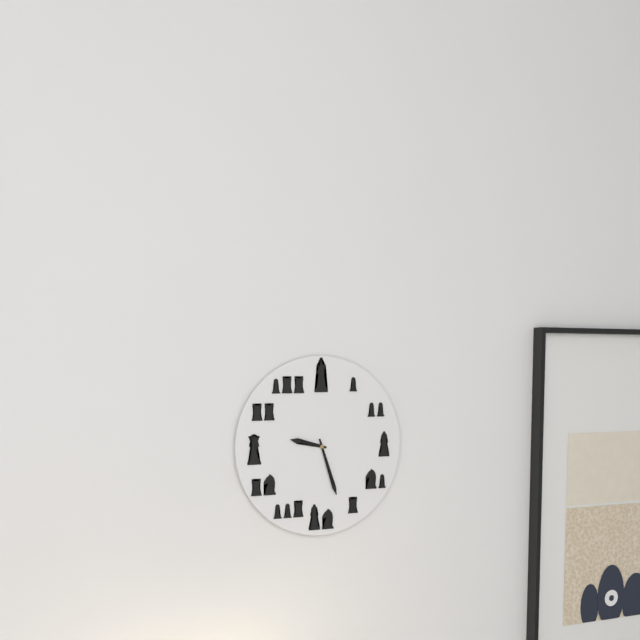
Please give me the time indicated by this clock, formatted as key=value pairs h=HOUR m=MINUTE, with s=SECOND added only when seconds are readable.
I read h=9 m=27
